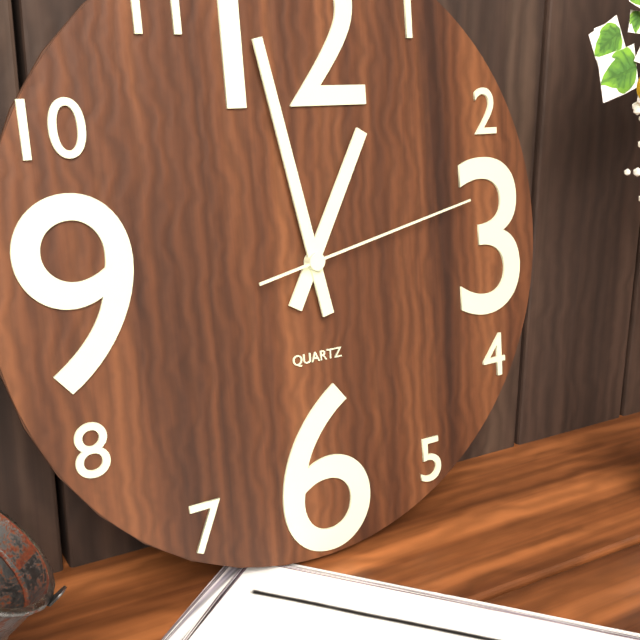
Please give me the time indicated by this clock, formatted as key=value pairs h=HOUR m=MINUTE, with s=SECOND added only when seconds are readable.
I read h=12 m=58 s=13
